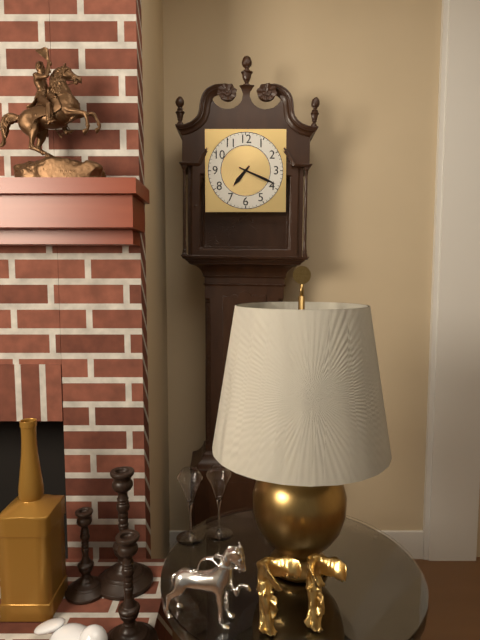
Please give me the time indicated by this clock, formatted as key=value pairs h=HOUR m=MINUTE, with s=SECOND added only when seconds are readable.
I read h=7 m=19
